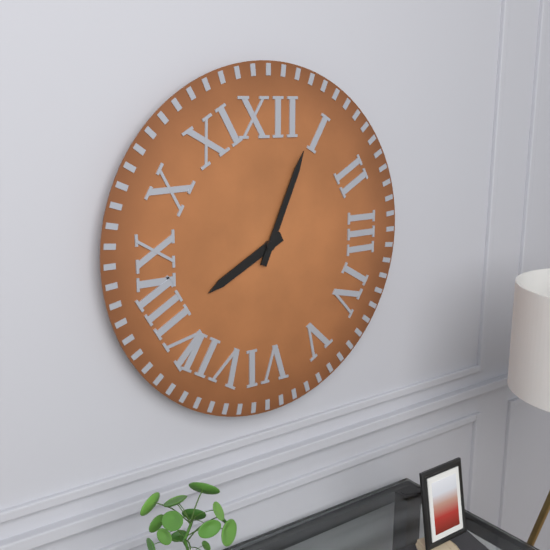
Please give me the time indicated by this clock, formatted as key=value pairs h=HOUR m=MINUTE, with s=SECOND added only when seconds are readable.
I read h=8 m=4
